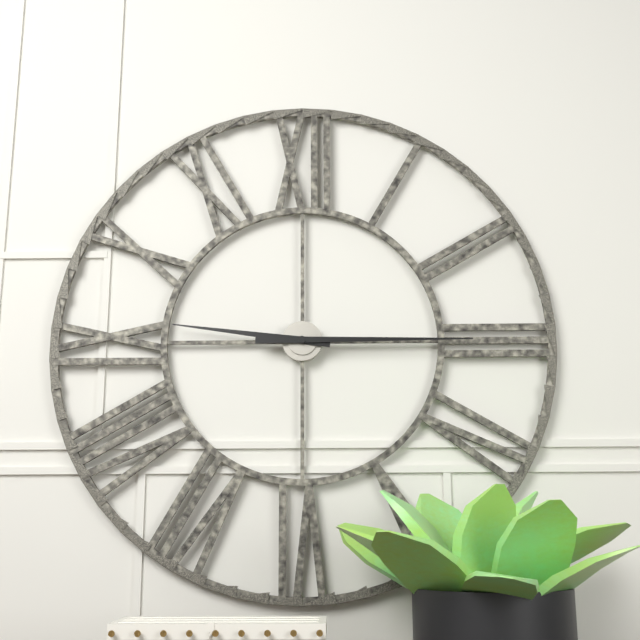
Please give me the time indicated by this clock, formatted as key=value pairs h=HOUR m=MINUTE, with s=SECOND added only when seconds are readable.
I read h=9 m=15
